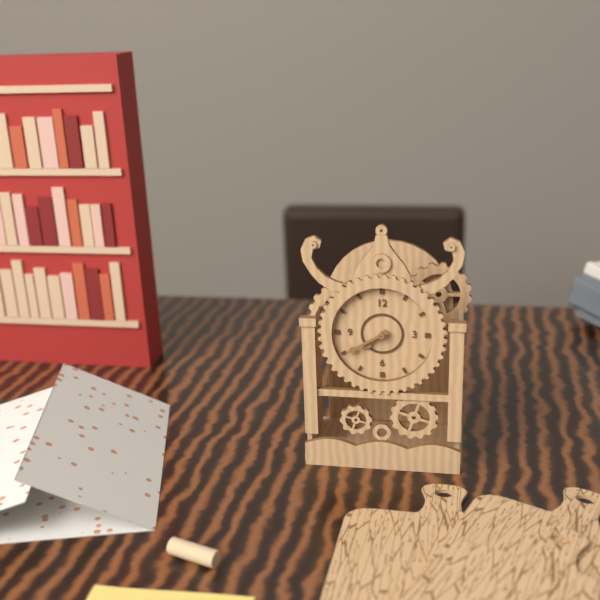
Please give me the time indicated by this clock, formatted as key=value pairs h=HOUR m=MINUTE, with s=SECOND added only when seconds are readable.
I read h=7 m=40
